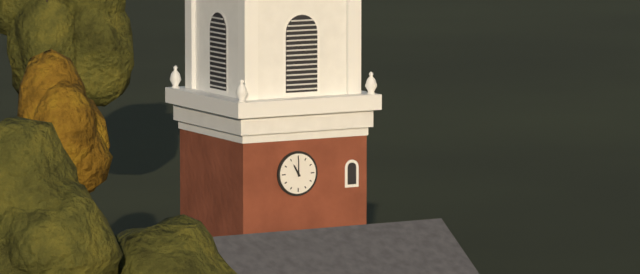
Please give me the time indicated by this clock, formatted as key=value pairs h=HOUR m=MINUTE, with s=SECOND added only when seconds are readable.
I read h=11 m=0
